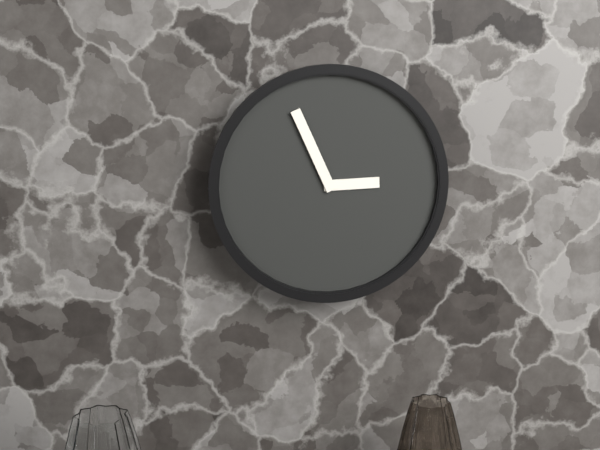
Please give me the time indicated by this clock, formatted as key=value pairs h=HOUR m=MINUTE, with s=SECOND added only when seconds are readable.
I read h=2 m=56
